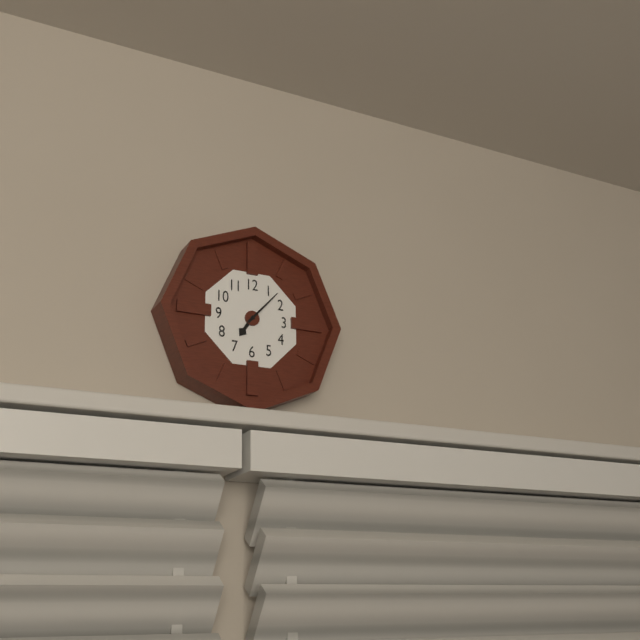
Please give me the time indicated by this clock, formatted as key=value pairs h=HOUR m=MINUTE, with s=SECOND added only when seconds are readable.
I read h=7 m=7
